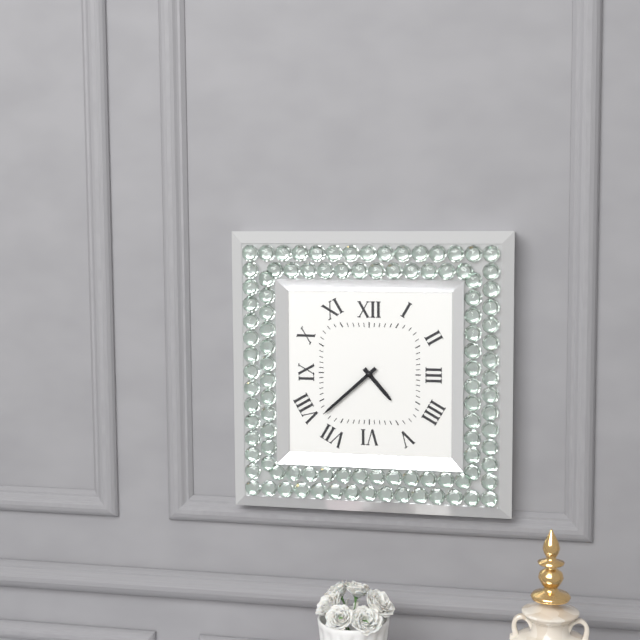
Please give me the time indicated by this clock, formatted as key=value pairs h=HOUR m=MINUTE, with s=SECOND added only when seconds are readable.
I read h=4 m=38
